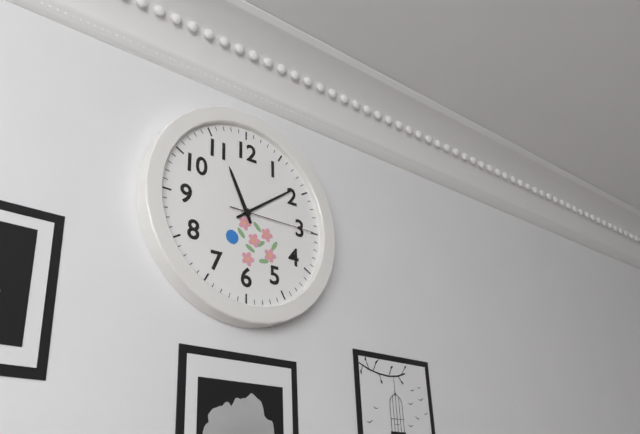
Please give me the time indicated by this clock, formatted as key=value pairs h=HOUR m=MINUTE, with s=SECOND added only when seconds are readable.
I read h=11 m=9 s=15
